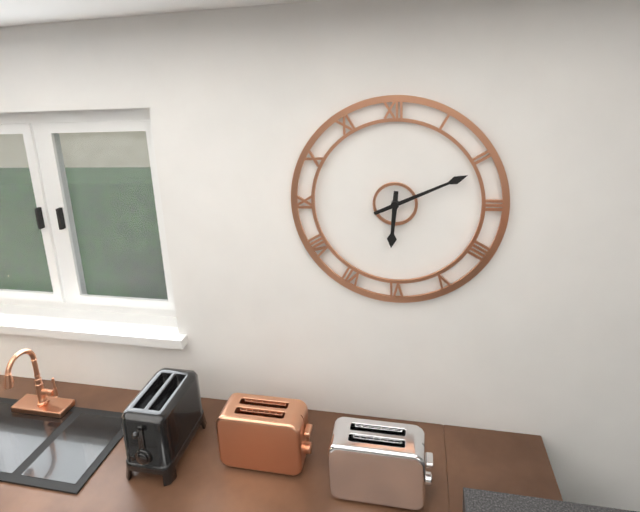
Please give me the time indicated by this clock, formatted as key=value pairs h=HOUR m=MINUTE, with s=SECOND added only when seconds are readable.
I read h=6 m=11
